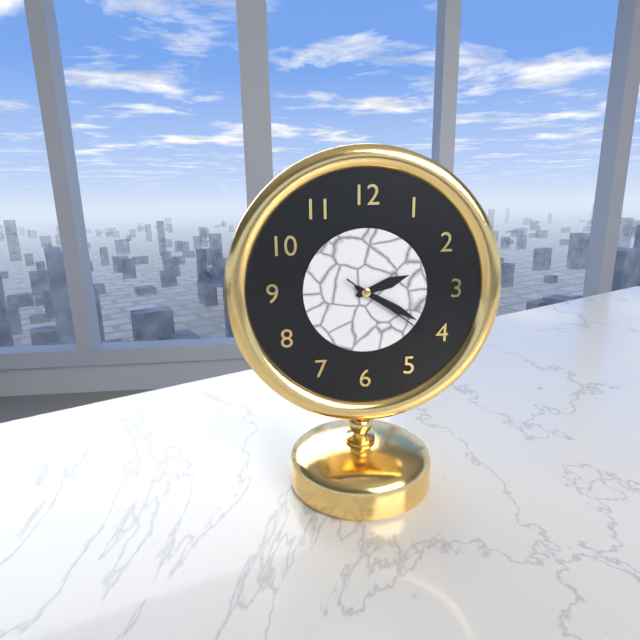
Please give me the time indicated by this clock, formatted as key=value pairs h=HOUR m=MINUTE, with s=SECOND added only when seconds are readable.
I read h=2 m=20 s=21
